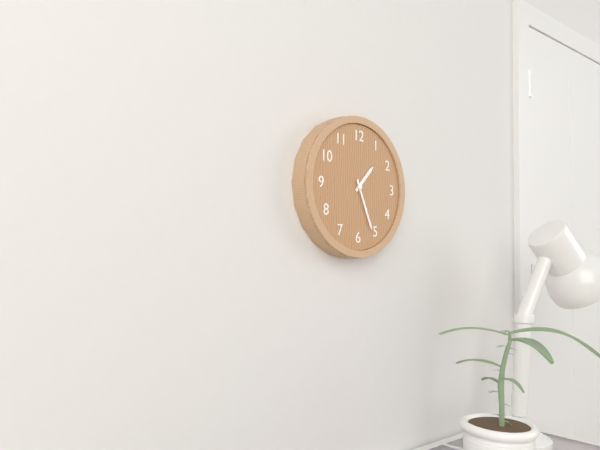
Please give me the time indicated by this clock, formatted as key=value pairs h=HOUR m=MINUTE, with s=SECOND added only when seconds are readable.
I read h=1 m=26
